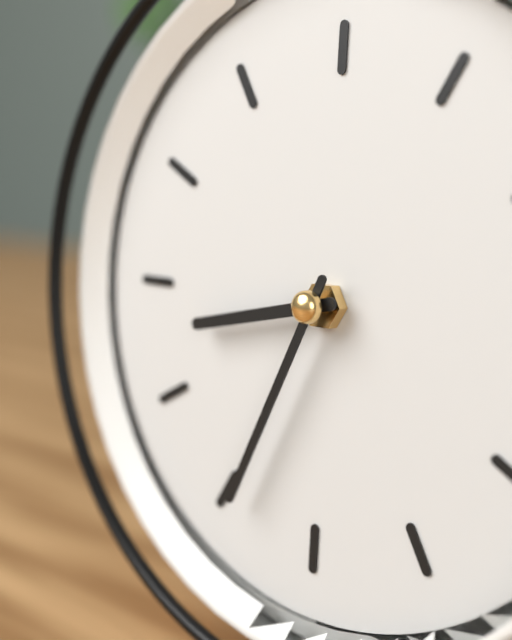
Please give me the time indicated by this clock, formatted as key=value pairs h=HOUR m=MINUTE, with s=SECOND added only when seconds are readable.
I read h=8 m=34
